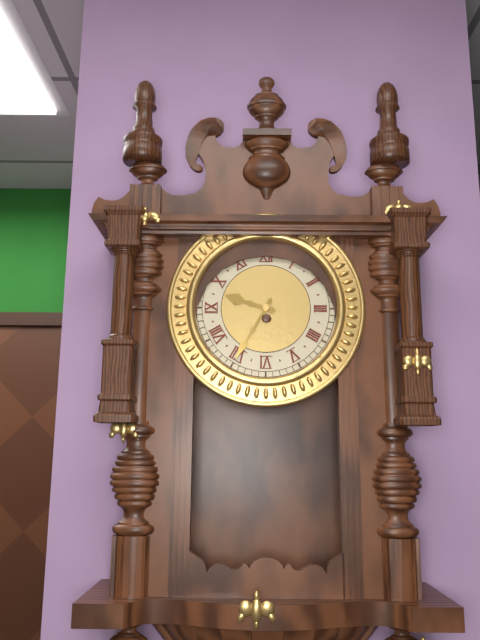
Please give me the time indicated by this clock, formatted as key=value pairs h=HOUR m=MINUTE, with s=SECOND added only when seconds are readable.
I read h=9 m=35
